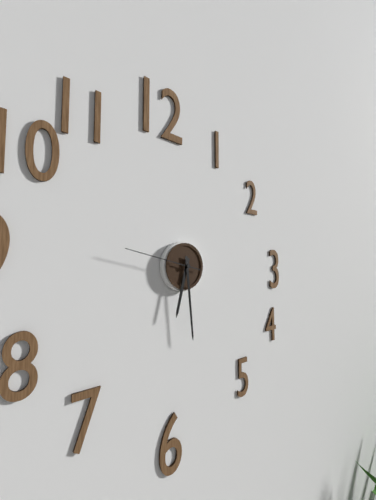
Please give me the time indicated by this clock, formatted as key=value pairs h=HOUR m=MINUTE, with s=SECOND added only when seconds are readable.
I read h=6 m=29 s=47
